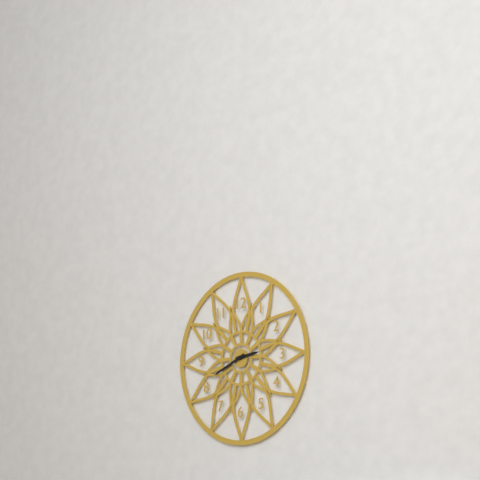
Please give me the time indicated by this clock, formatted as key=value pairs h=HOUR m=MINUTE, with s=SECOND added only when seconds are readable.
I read h=2 m=41
